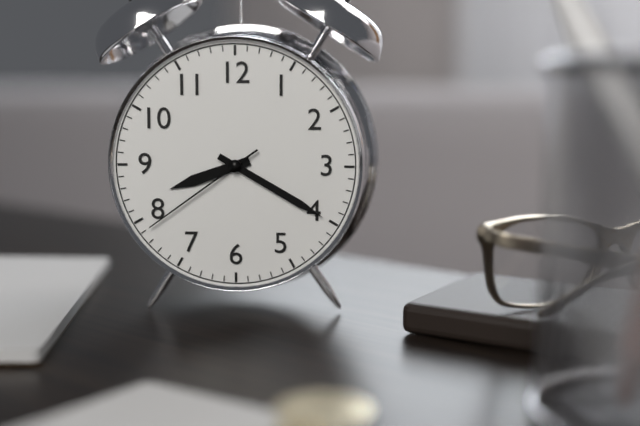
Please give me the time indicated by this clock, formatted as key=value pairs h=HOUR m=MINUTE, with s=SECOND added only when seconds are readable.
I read h=8 m=20 s=39
